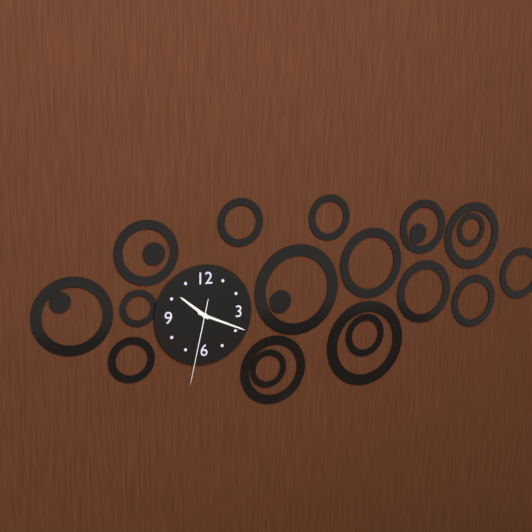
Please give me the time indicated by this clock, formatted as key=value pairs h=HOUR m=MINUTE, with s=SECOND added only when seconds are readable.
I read h=10 m=19 s=32
